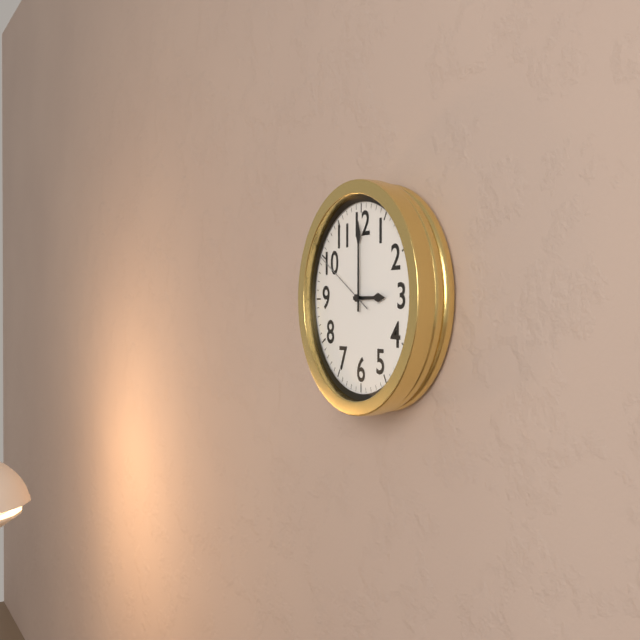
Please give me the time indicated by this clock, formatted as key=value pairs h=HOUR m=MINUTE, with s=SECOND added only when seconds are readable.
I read h=3 m=0 s=50
